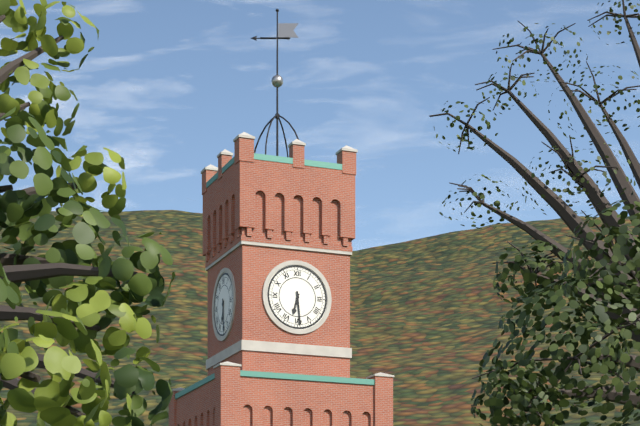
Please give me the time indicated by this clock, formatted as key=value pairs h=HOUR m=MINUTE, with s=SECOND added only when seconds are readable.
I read h=6 m=29
